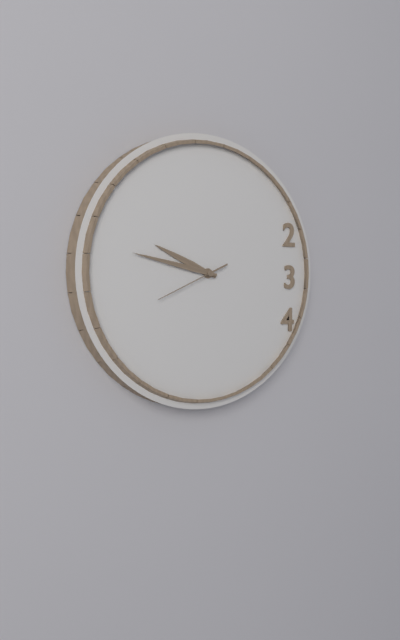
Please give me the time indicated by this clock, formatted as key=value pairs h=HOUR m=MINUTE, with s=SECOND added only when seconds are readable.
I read h=9 m=47 s=41
